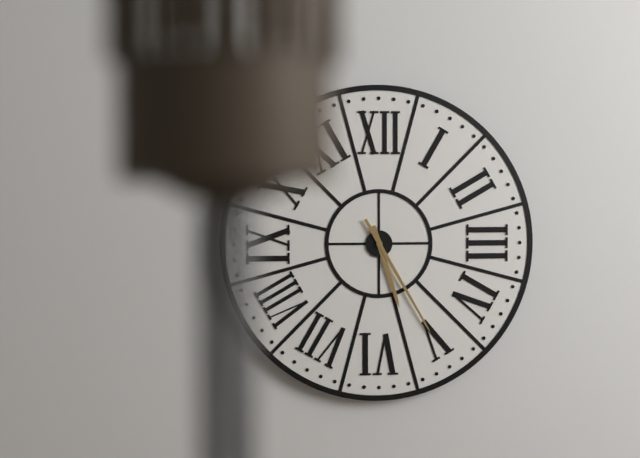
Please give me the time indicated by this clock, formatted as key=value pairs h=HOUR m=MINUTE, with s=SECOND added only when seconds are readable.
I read h=5 m=25
